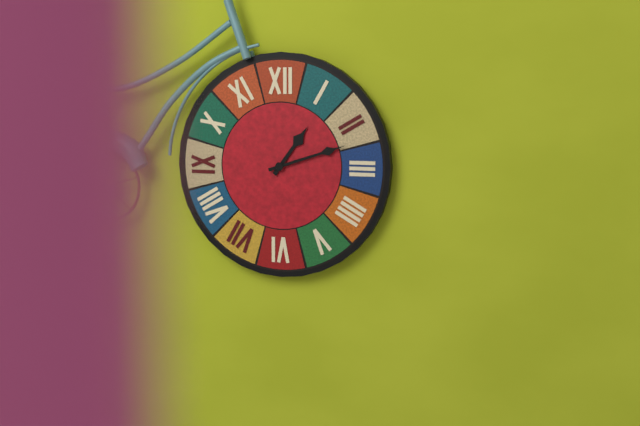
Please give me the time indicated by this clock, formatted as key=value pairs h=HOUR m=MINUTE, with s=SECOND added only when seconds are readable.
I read h=1 m=12
